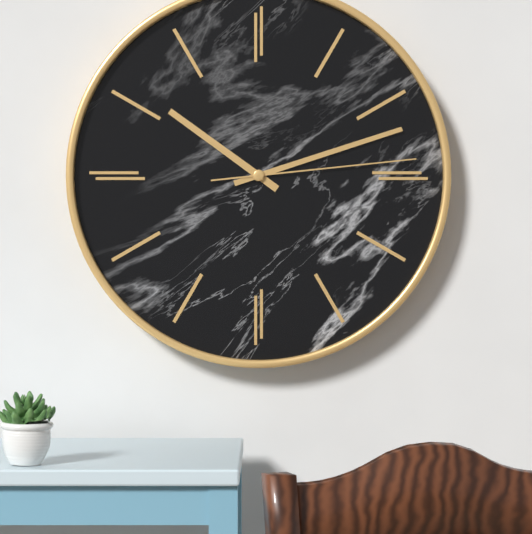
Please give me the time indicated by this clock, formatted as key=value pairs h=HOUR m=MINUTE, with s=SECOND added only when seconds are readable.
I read h=10 m=12 s=14
